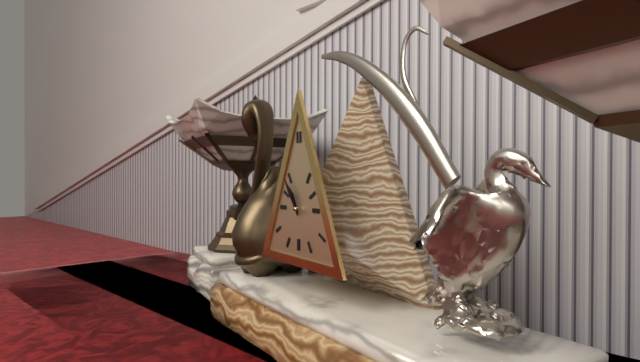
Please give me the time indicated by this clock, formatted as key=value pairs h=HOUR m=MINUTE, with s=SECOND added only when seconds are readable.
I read h=10 m=54
